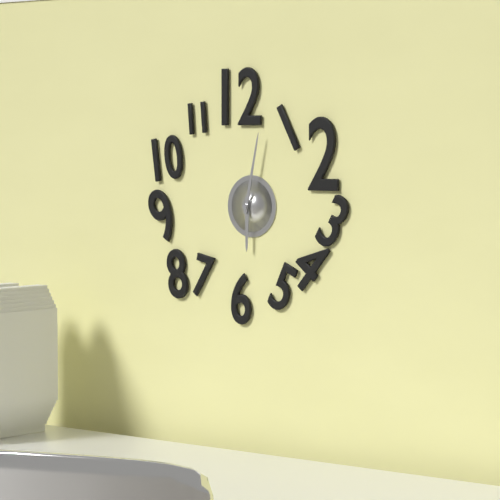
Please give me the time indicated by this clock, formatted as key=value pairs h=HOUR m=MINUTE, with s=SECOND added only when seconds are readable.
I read h=6 m=2
